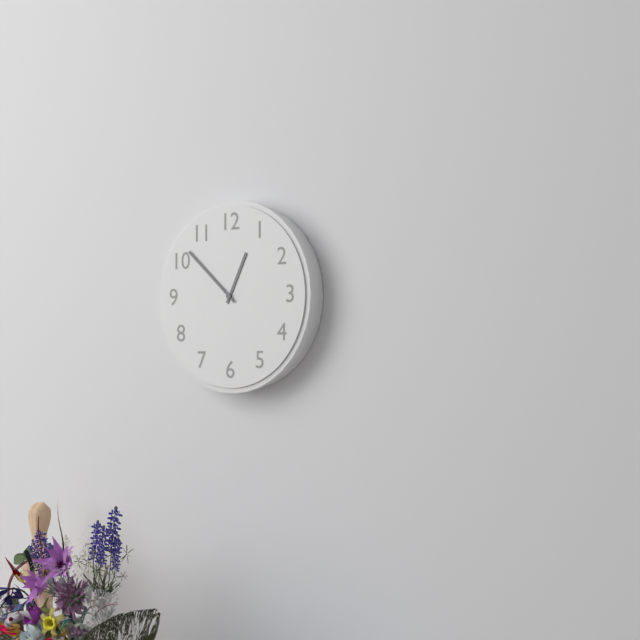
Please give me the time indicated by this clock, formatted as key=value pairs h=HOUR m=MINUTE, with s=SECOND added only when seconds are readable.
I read h=12 m=52
